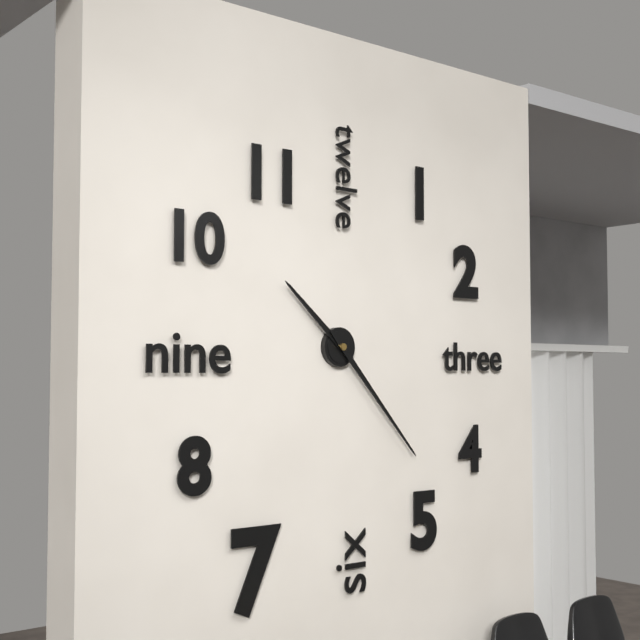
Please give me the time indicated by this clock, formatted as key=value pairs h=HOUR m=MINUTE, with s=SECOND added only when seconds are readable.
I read h=10 m=23
